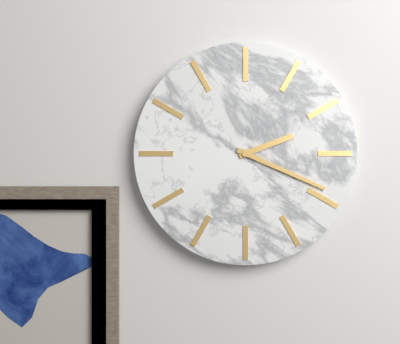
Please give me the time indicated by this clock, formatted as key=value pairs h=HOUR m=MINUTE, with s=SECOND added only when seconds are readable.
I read h=2 m=19
